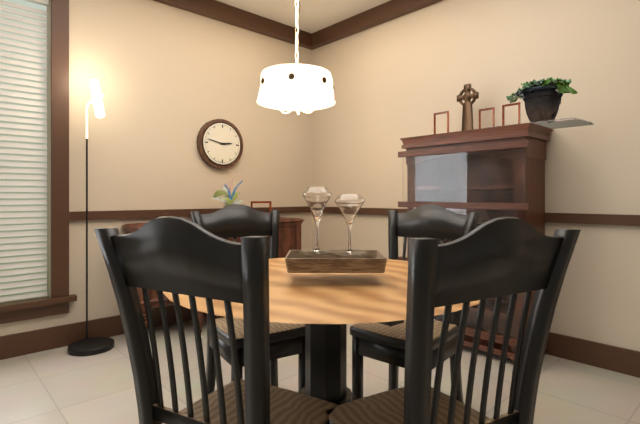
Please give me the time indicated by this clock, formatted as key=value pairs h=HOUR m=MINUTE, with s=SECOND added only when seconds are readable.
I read h=2 m=47
